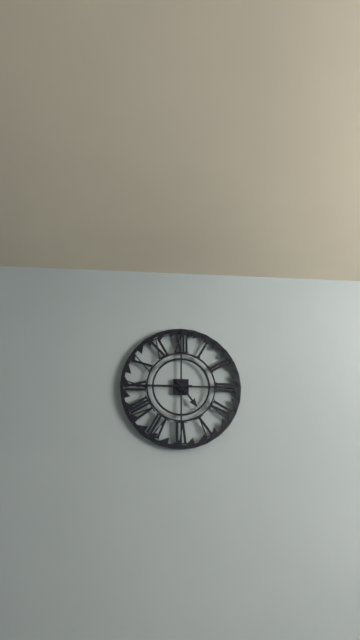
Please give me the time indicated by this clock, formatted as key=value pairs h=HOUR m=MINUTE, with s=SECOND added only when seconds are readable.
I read h=4 m=45
